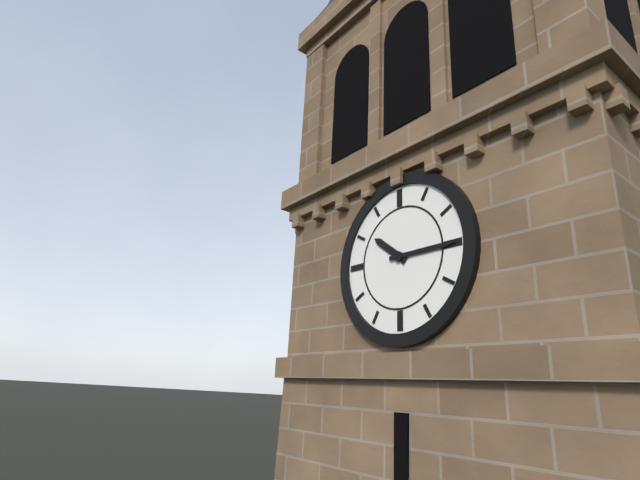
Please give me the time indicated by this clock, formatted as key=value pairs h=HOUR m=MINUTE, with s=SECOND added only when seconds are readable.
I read h=10 m=15
